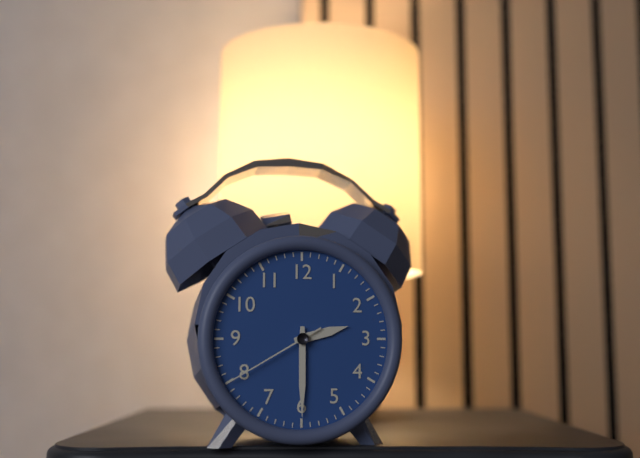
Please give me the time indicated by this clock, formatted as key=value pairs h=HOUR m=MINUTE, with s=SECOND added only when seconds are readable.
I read h=2 m=30 s=40
